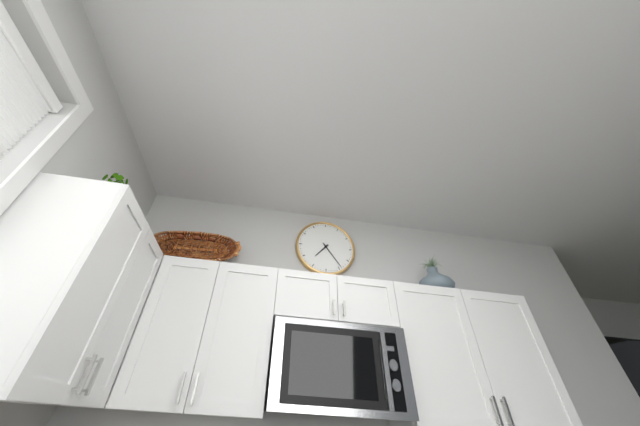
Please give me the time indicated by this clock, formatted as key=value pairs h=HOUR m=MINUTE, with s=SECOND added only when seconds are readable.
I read h=7 m=24
